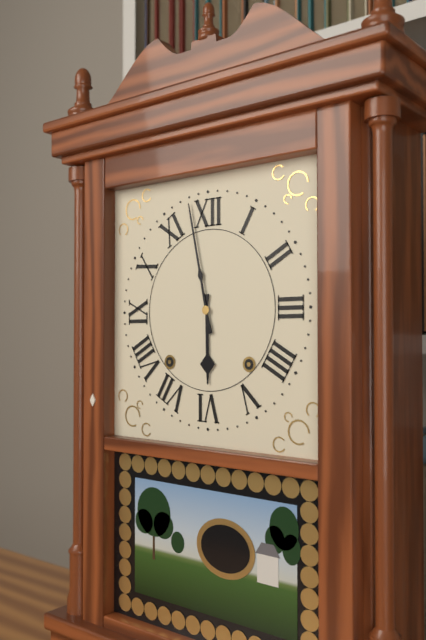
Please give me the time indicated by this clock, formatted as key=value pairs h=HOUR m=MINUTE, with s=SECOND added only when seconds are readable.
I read h=5 m=58
